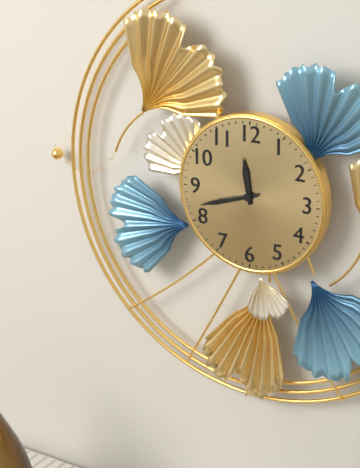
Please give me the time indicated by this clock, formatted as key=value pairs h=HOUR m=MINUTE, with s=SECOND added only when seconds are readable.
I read h=11 m=42
